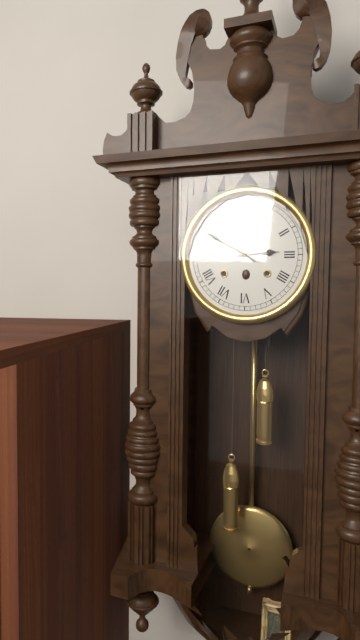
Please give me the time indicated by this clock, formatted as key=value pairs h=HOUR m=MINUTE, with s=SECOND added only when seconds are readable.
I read h=2 m=50
